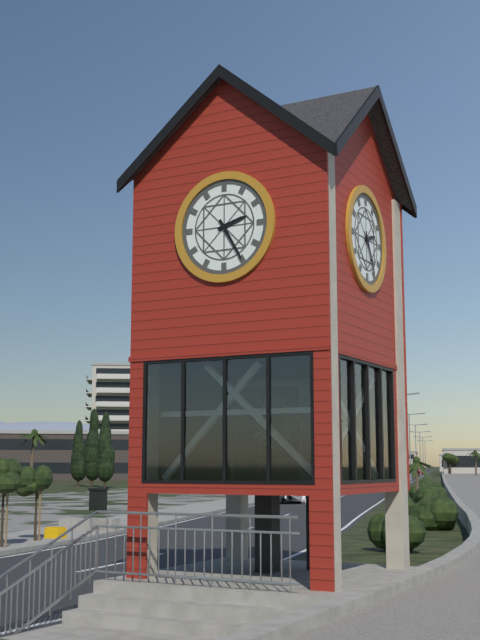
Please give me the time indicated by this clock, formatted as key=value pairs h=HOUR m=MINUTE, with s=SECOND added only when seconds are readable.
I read h=2 m=25
